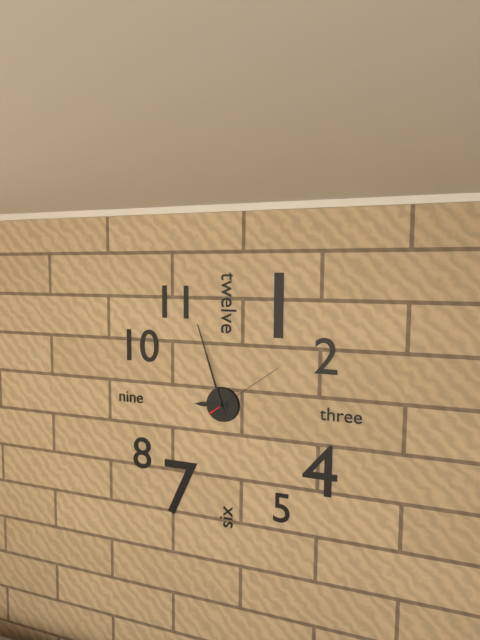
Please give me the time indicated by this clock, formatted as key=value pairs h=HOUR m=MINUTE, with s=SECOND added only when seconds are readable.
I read h=8 m=57 s=9
